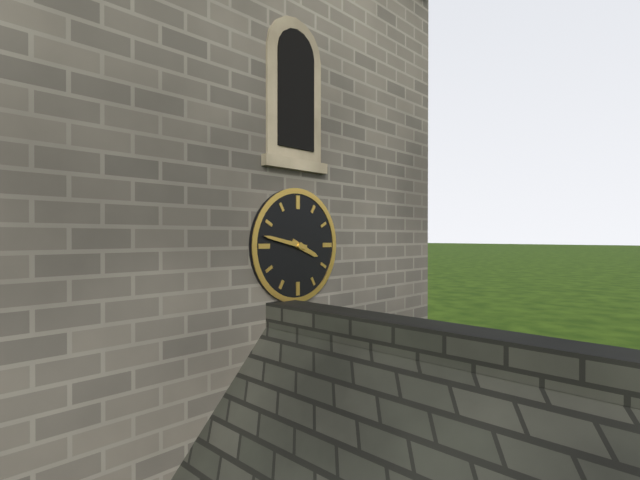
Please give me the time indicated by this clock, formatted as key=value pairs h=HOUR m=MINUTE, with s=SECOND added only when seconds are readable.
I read h=3 m=47
